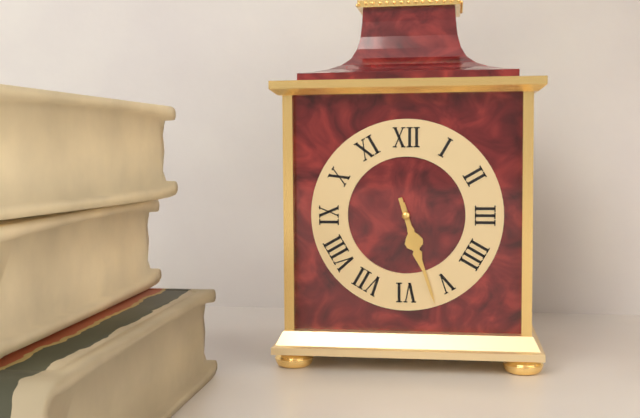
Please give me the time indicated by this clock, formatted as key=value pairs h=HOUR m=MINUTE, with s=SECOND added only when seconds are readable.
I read h=5 m=27
